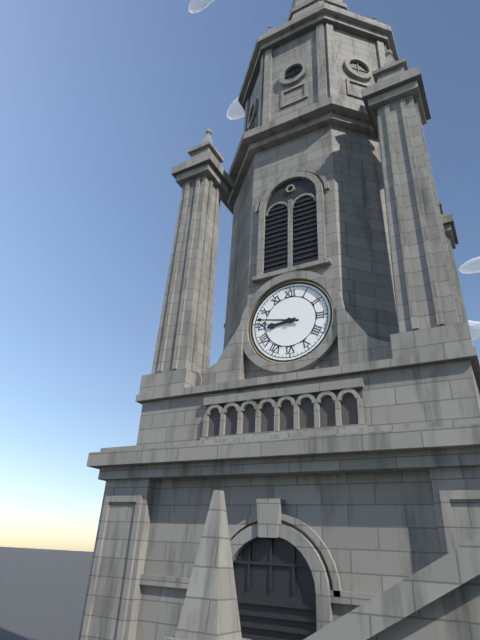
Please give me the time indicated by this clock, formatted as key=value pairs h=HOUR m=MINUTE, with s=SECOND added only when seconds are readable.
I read h=8 m=47
